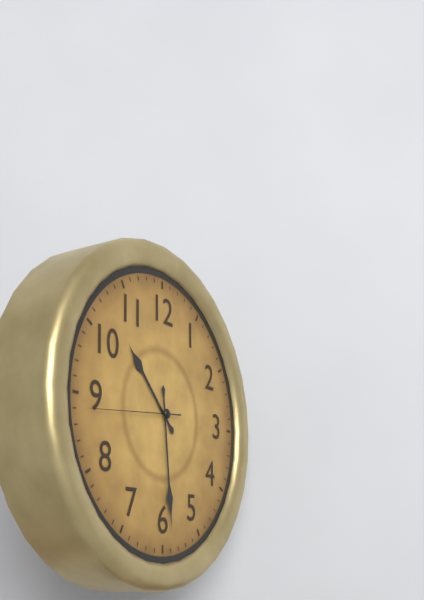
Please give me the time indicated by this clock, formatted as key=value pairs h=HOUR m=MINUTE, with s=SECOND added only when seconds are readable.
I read h=10 m=29 s=44
